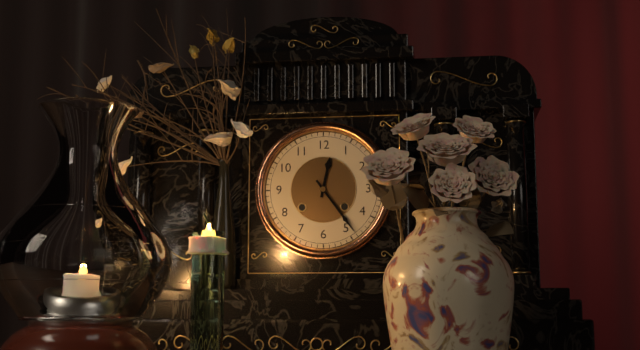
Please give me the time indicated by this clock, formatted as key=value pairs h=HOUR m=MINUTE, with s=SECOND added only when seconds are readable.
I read h=12 m=24
